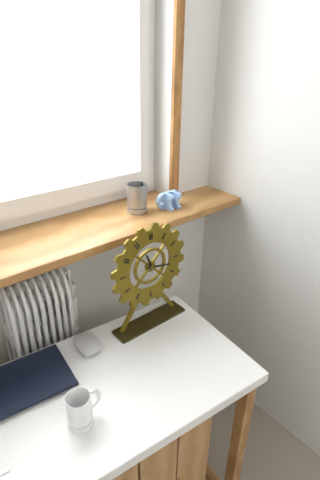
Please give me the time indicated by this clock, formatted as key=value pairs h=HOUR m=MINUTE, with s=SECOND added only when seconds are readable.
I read h=11 m=17
